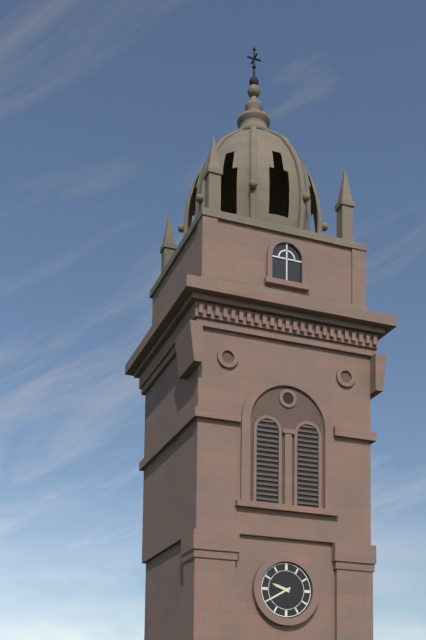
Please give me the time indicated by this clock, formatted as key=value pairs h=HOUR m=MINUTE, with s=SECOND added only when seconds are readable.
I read h=9 m=40
